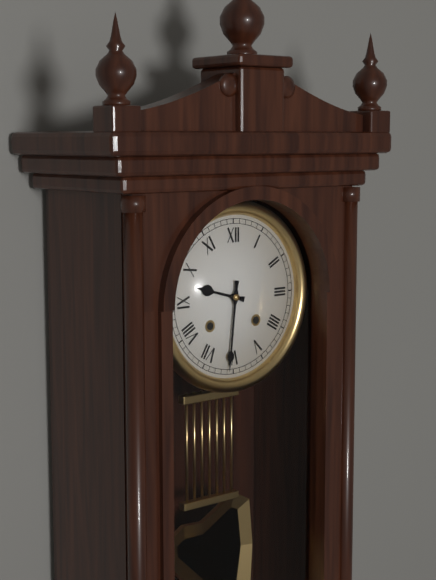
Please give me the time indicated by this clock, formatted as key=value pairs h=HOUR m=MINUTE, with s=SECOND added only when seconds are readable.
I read h=9 m=31
